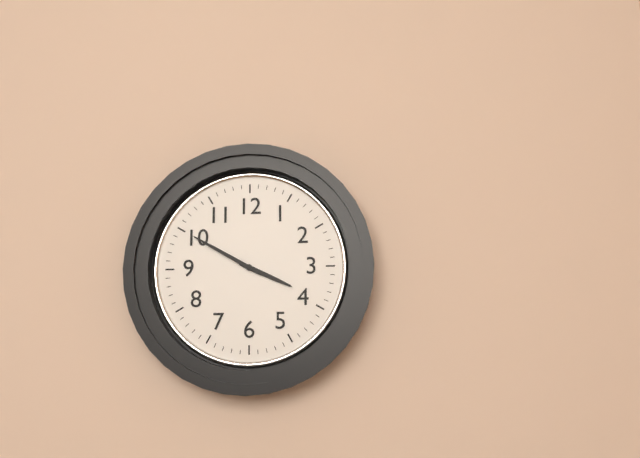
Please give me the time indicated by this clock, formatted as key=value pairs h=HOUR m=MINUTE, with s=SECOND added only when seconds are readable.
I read h=3 m=50
